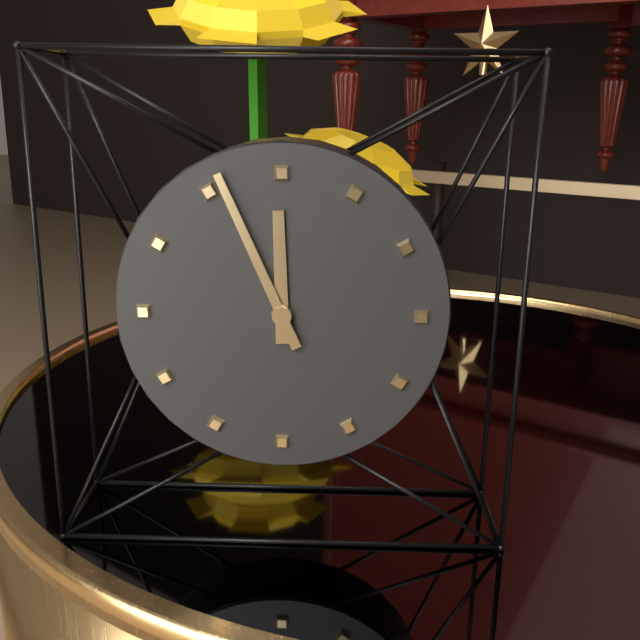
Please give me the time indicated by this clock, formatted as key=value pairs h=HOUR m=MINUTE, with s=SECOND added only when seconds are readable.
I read h=11 m=56
